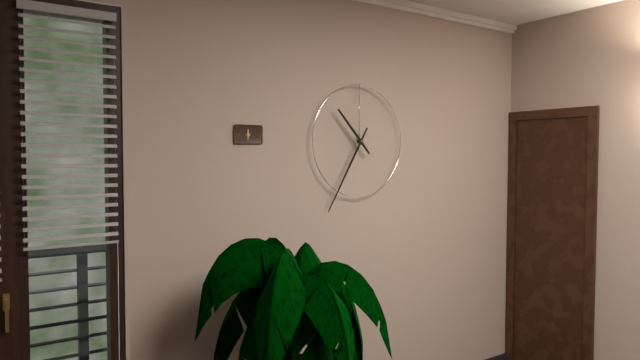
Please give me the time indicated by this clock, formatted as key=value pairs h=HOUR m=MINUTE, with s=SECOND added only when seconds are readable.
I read h=10 m=35
